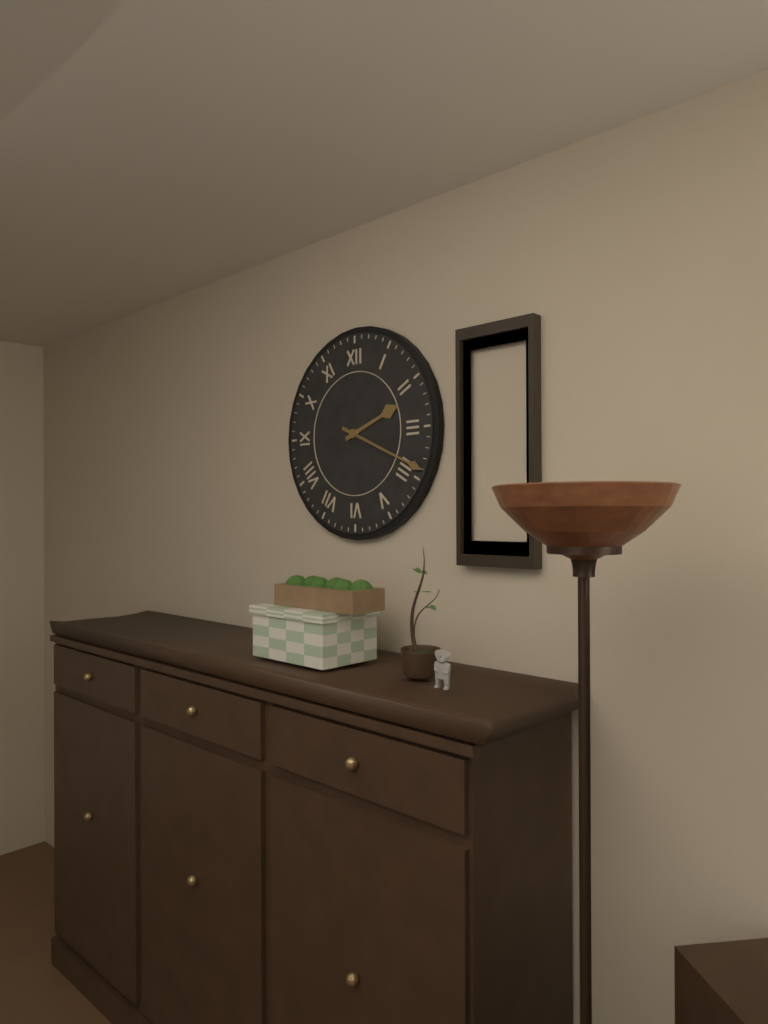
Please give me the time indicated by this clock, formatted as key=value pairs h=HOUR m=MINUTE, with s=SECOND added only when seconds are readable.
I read h=2 m=19
